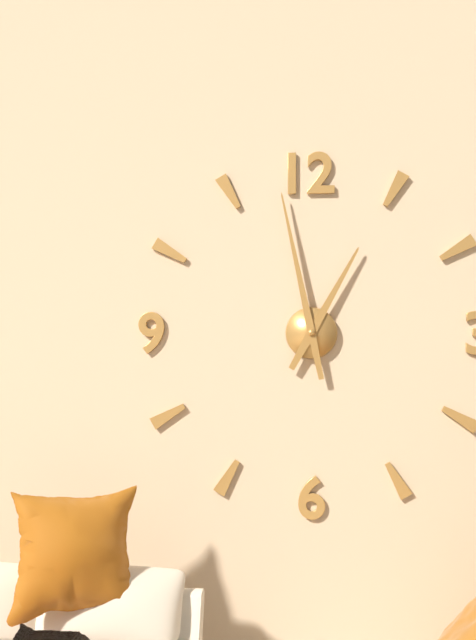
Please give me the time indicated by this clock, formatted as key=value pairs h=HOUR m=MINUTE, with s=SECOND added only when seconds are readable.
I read h=12 m=58
